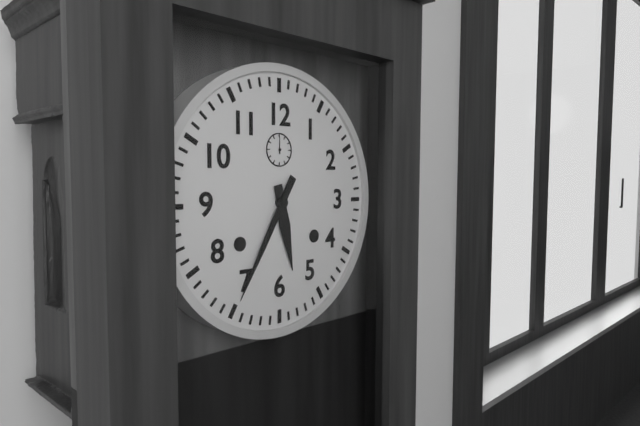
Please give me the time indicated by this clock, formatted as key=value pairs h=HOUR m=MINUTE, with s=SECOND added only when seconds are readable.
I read h=5 m=35
